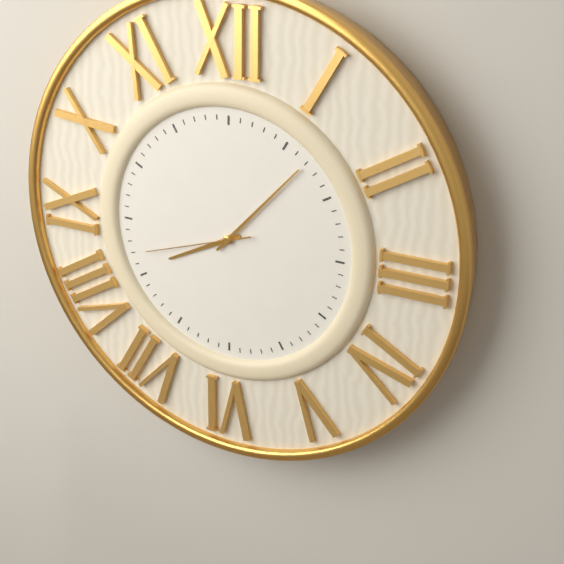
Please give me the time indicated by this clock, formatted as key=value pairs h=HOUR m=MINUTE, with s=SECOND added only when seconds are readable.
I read h=8 m=7 s=42
